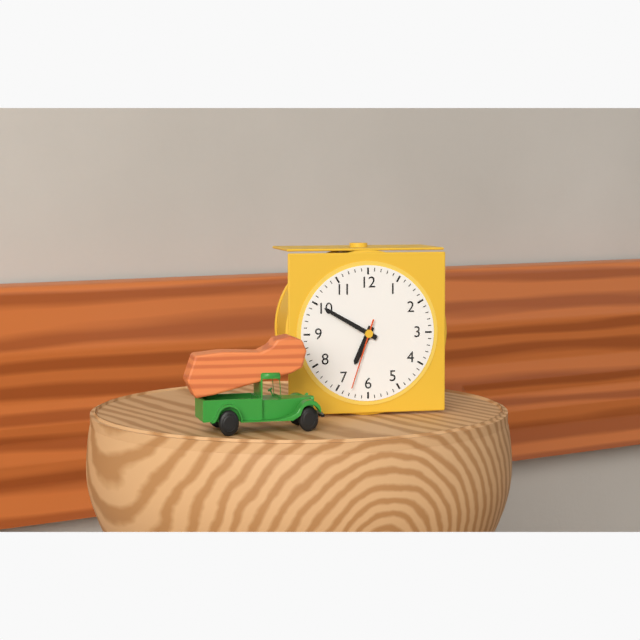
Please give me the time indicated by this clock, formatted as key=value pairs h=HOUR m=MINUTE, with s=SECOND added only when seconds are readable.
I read h=6 m=50 s=33
